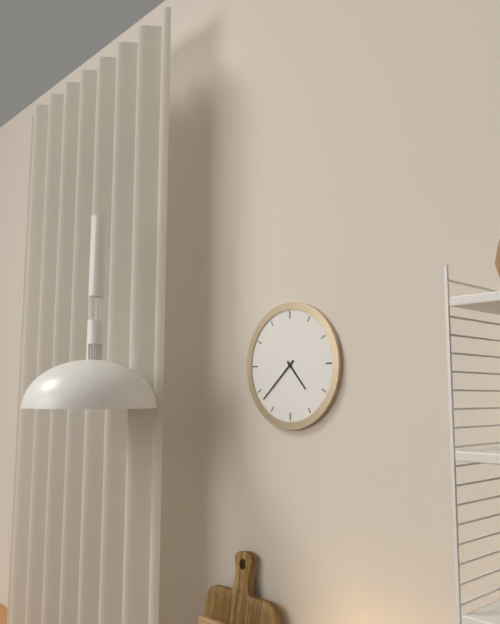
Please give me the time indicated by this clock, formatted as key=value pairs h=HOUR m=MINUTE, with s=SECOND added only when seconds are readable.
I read h=4 m=38
